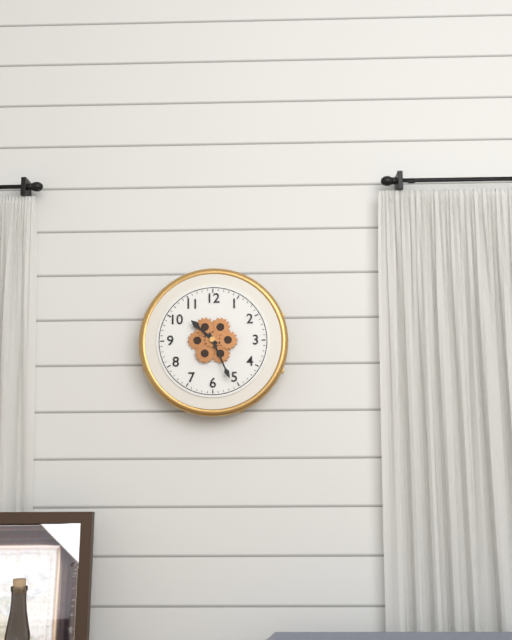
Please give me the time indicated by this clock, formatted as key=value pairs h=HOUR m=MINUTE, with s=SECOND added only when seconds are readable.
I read h=10 m=26
